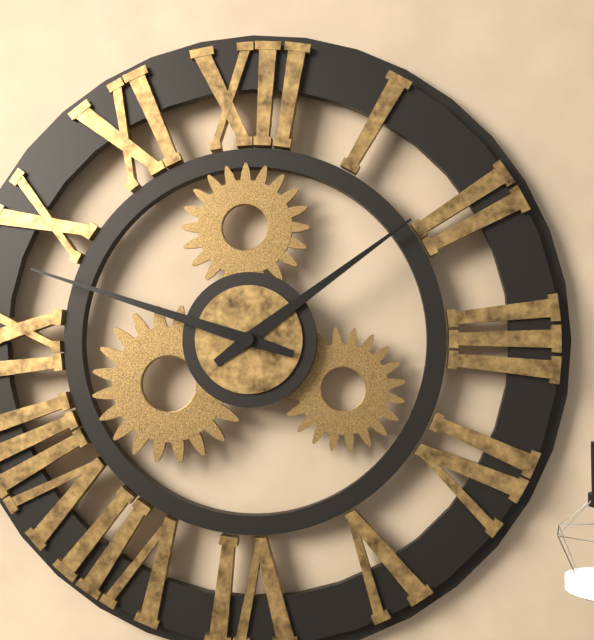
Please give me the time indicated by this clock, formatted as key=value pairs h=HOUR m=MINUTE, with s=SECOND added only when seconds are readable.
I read h=1 m=48
